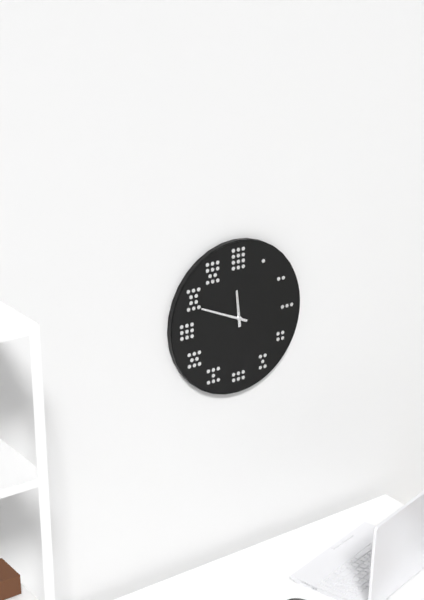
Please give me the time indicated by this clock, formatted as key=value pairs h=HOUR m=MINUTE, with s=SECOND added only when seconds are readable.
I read h=11 m=49
